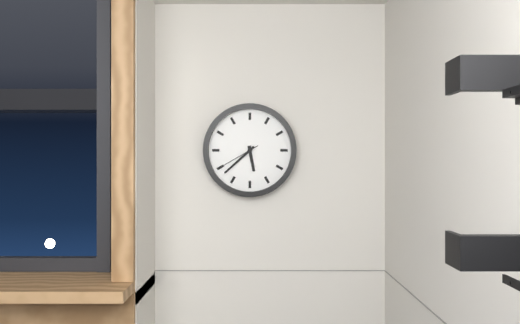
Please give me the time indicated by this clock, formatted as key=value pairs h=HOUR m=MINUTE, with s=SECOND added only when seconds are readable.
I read h=5 m=38
